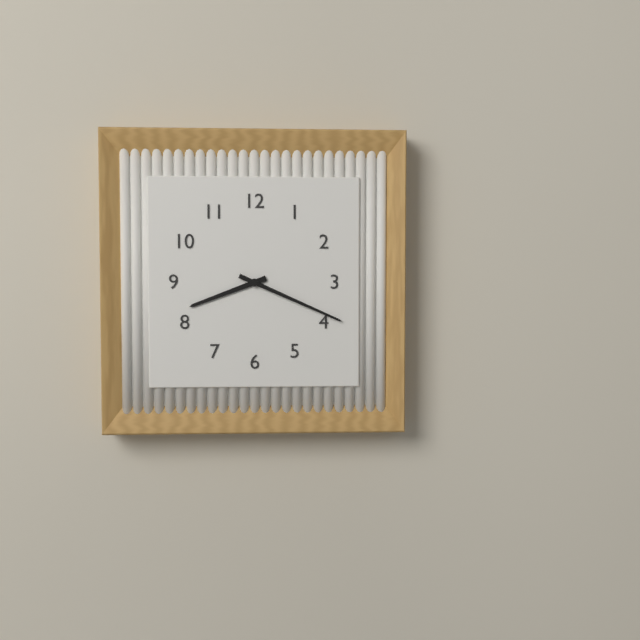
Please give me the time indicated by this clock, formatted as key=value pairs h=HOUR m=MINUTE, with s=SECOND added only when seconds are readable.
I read h=8 m=19
